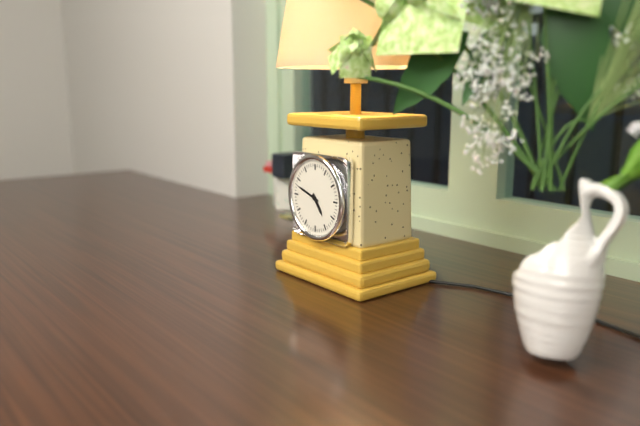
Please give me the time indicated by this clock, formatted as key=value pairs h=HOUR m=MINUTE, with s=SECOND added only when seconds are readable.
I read h=4 m=48
